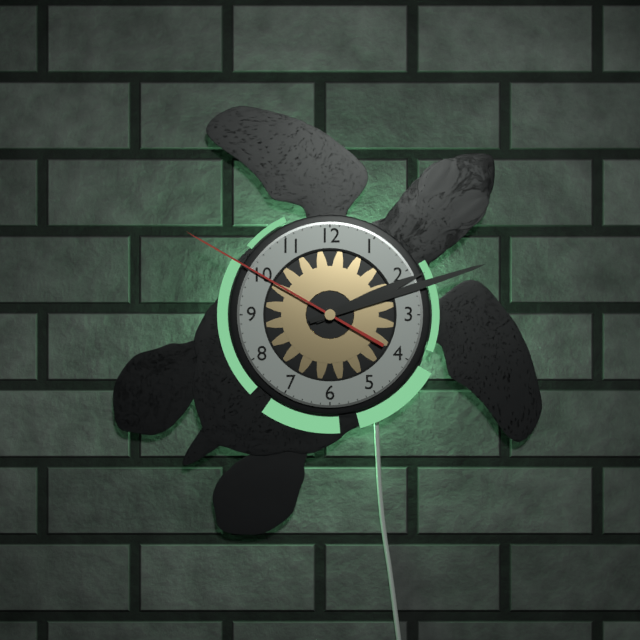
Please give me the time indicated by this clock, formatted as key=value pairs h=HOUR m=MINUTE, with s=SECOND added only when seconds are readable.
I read h=2 m=12 s=50
